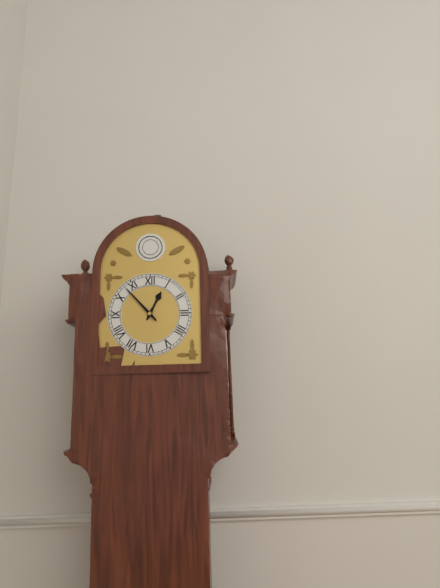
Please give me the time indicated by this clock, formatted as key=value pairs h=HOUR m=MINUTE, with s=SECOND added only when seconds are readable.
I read h=12 m=53
